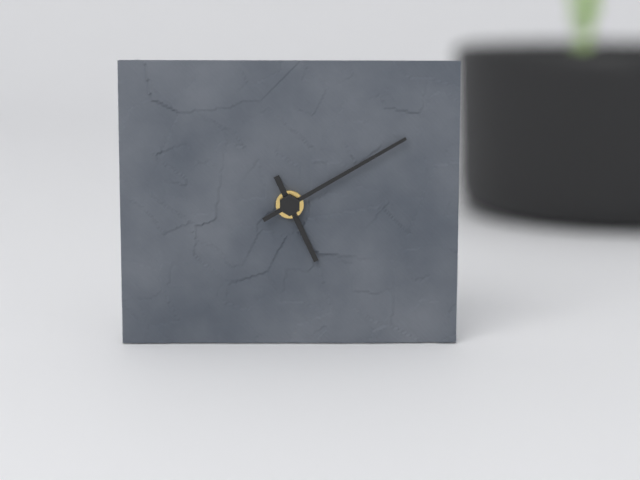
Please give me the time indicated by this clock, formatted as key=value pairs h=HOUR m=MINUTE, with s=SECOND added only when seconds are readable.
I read h=5 m=10
